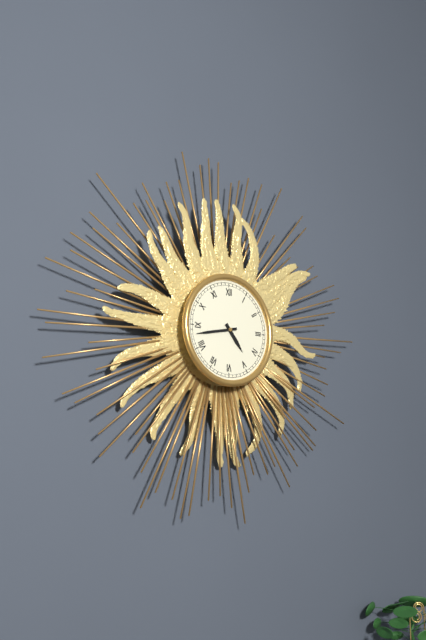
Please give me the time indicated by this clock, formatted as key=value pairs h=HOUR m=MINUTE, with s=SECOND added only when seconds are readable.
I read h=4 m=43
